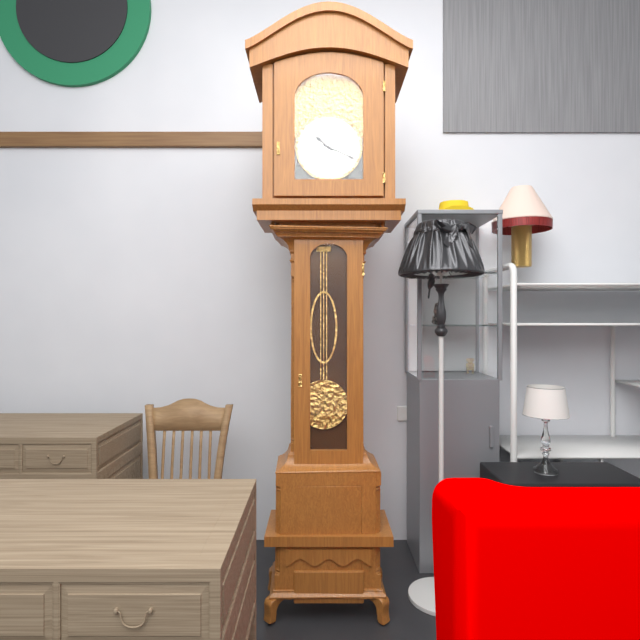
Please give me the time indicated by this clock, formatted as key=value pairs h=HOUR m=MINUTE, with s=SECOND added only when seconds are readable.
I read h=10 m=19
